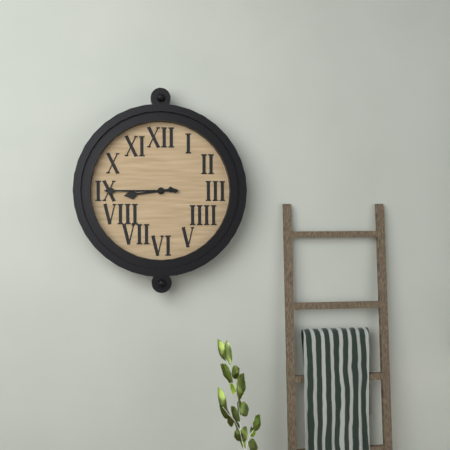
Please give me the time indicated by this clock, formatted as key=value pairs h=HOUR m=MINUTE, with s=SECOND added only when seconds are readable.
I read h=8 m=45
